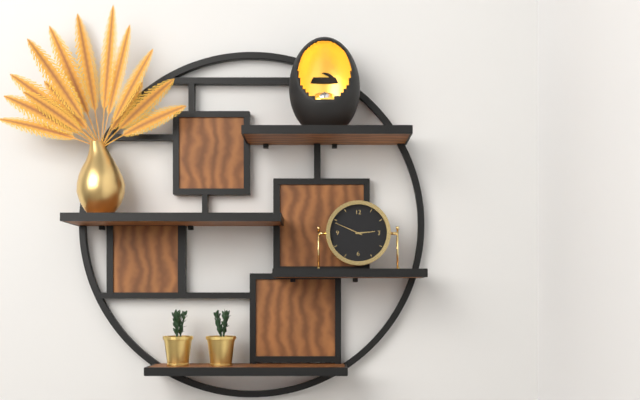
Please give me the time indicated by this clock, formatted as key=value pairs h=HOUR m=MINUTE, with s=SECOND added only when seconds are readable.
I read h=2 m=49
